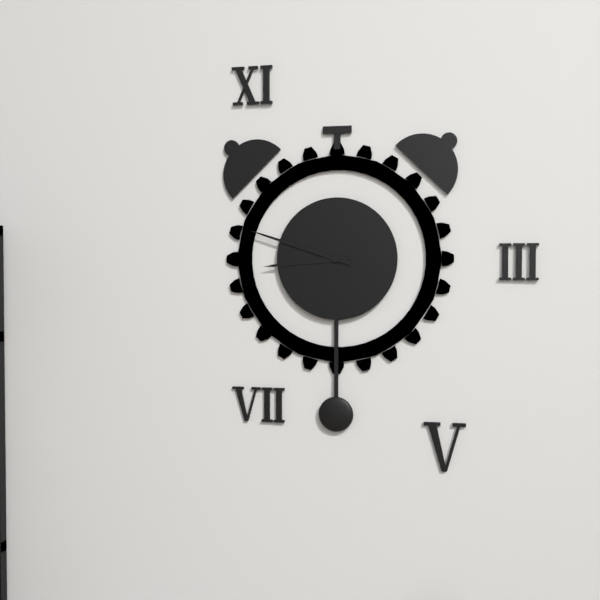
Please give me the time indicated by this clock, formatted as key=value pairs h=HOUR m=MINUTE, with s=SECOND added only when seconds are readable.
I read h=8 m=48
